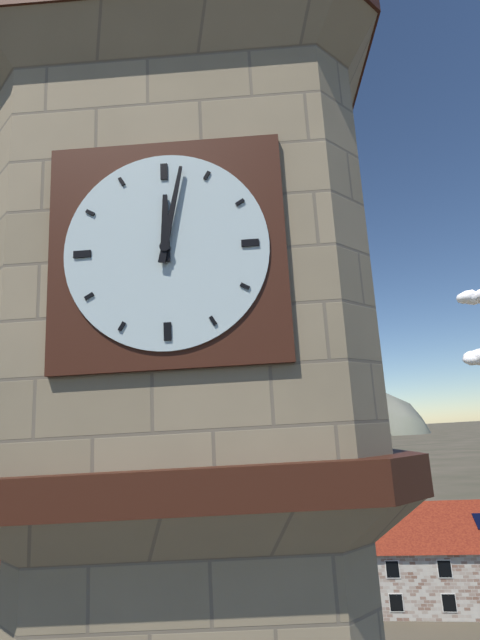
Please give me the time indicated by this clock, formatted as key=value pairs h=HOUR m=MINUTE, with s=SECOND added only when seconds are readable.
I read h=12 m=2
